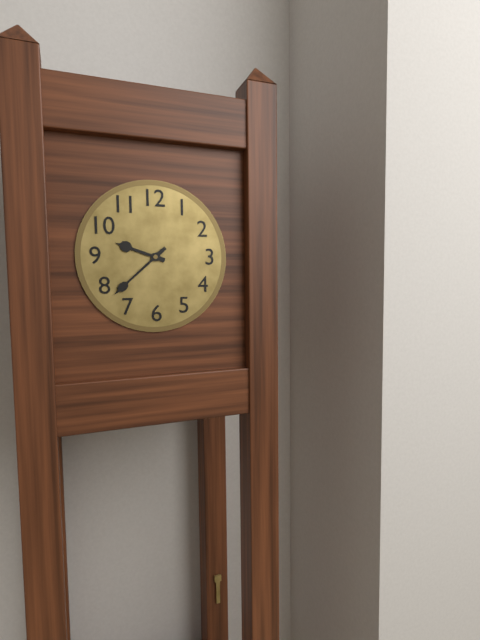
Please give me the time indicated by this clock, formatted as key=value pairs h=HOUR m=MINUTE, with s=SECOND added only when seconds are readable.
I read h=9 m=38
